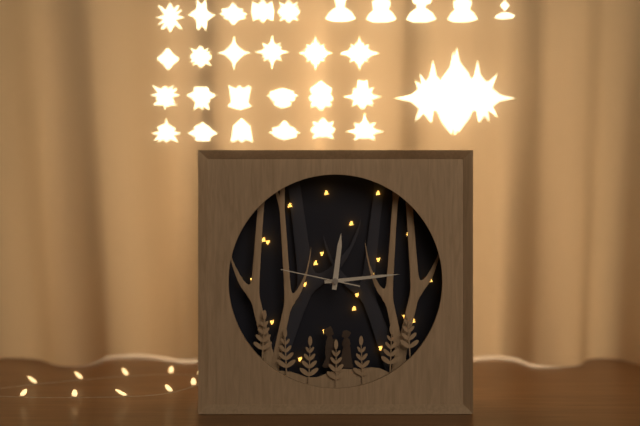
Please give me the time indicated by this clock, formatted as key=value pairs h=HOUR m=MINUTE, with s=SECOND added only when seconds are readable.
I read h=12 m=14 s=47
